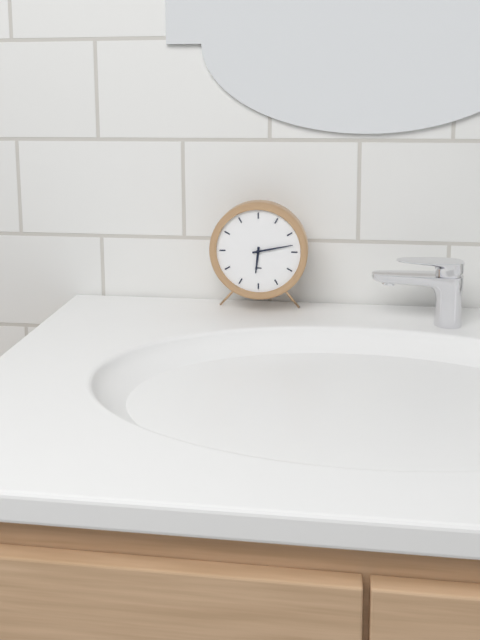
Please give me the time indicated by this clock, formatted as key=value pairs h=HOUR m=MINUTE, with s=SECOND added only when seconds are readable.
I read h=6 m=13
